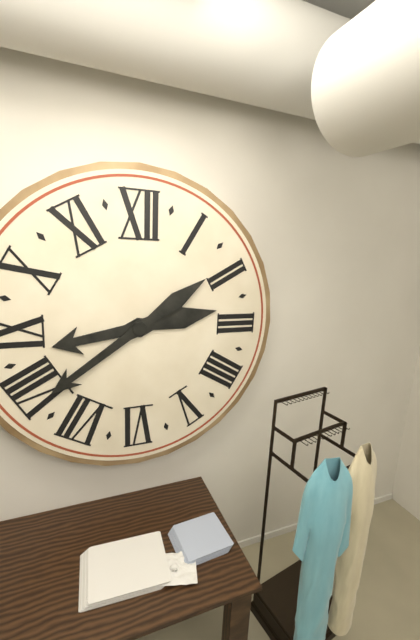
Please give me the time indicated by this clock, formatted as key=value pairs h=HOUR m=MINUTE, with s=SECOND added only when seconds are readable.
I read h=8 m=39
